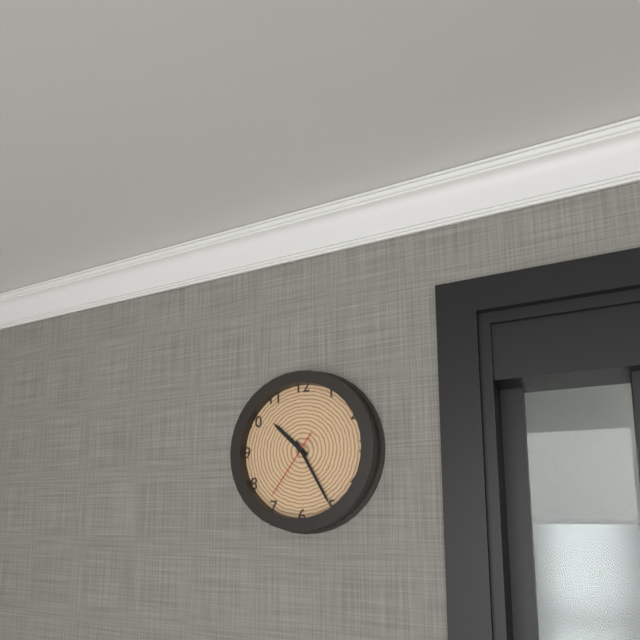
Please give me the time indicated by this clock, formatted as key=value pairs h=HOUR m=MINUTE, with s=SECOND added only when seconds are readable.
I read h=10 m=25 s=36
